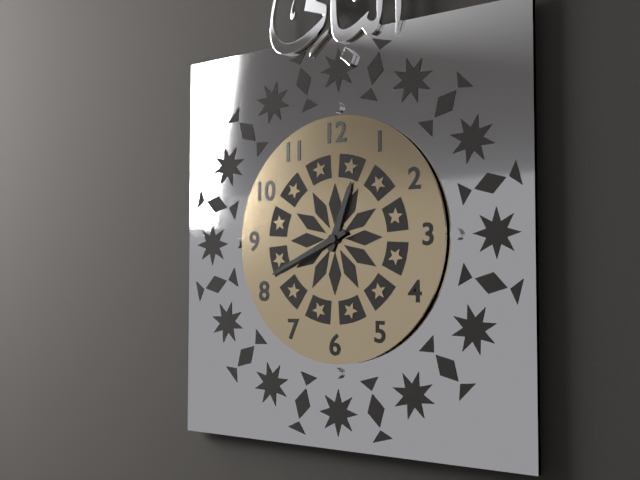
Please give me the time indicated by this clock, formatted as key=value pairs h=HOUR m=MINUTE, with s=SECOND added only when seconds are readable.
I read h=12 m=41
